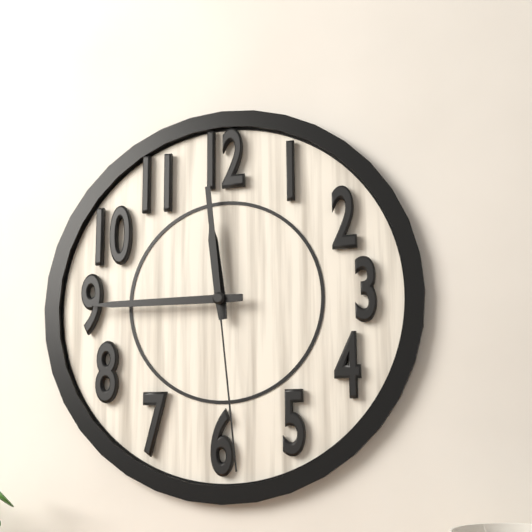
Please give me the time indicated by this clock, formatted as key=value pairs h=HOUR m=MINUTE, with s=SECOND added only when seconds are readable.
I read h=11 m=45 s=29
